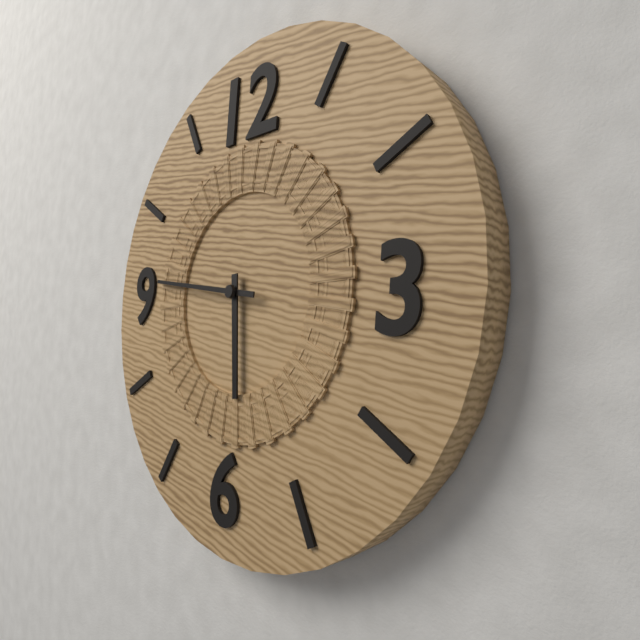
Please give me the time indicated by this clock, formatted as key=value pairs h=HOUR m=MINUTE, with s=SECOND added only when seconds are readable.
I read h=5 m=46
